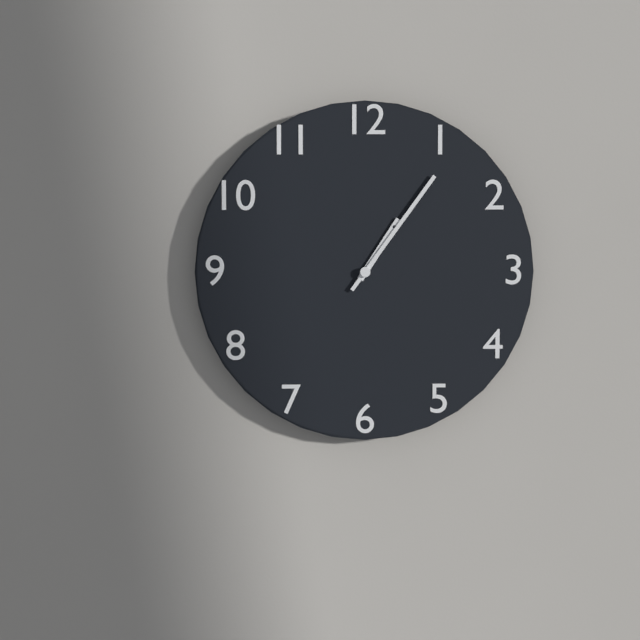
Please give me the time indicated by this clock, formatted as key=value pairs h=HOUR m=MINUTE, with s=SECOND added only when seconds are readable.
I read h=1 m=6
